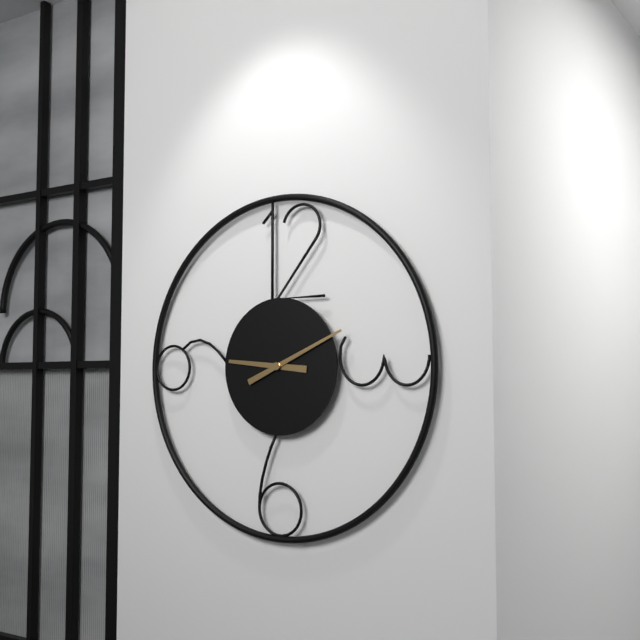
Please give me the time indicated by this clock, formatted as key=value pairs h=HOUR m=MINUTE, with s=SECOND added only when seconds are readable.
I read h=9 m=11
